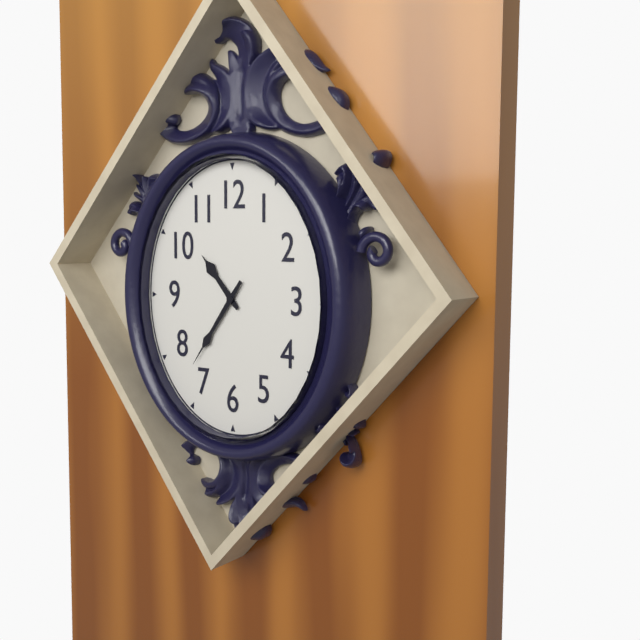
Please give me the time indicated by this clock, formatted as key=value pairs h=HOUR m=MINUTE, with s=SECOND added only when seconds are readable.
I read h=10 m=36
